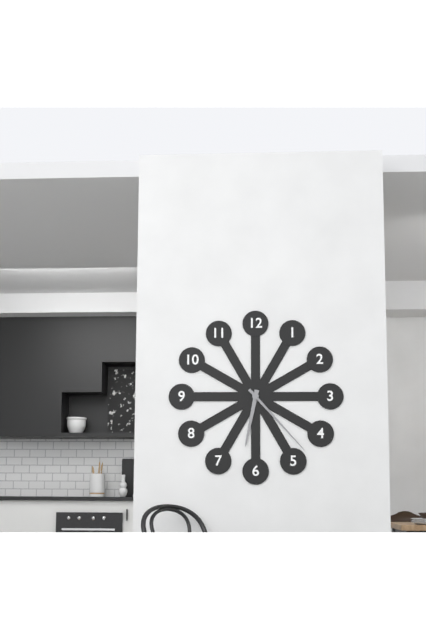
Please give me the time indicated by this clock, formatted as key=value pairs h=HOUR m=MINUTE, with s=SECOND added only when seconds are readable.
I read h=6 m=23
